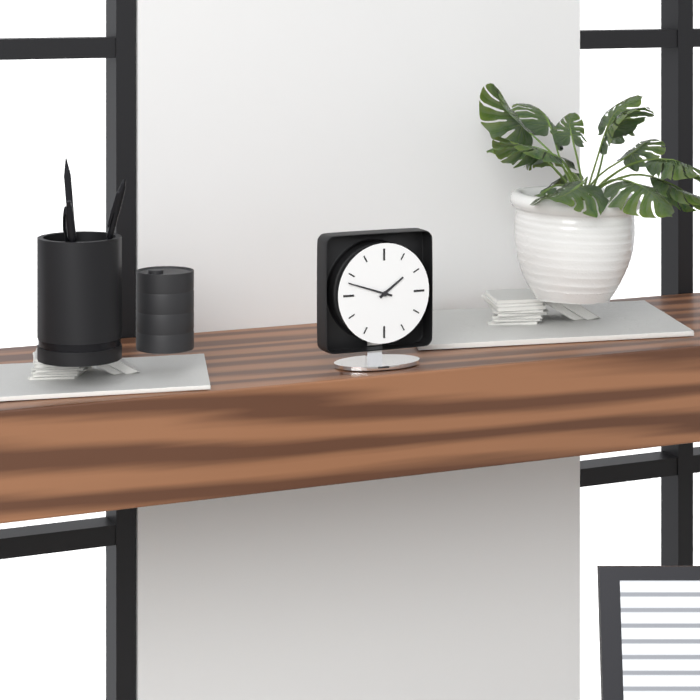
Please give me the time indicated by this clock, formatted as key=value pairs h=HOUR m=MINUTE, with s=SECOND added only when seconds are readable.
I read h=1 m=48
